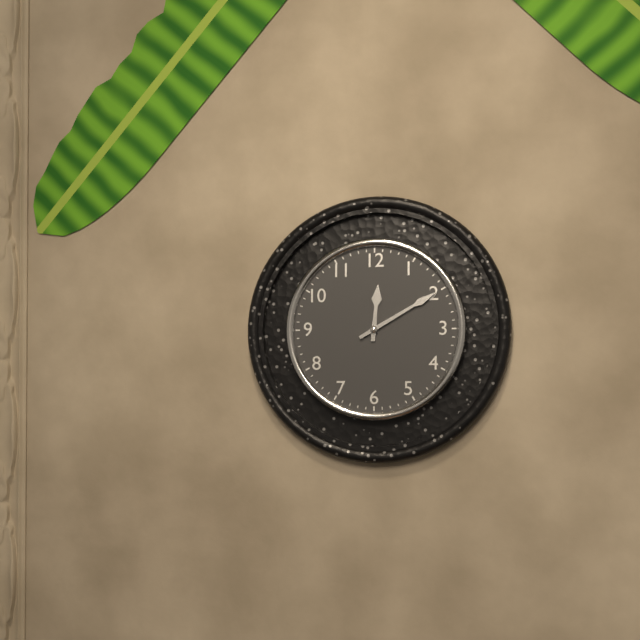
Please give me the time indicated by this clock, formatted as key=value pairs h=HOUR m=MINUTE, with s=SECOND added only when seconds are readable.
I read h=12 m=10
